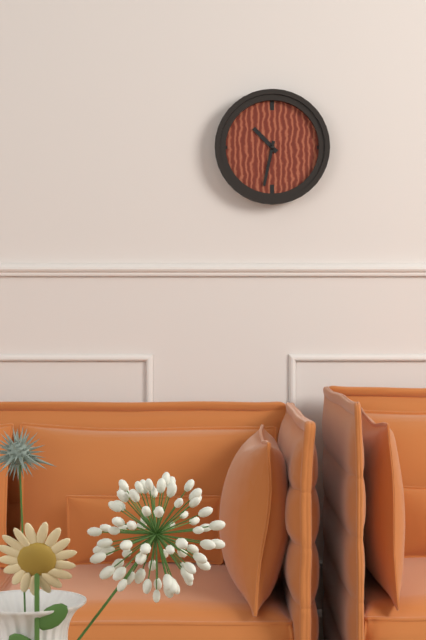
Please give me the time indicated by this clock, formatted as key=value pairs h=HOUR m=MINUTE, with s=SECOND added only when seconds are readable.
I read h=10 m=32
